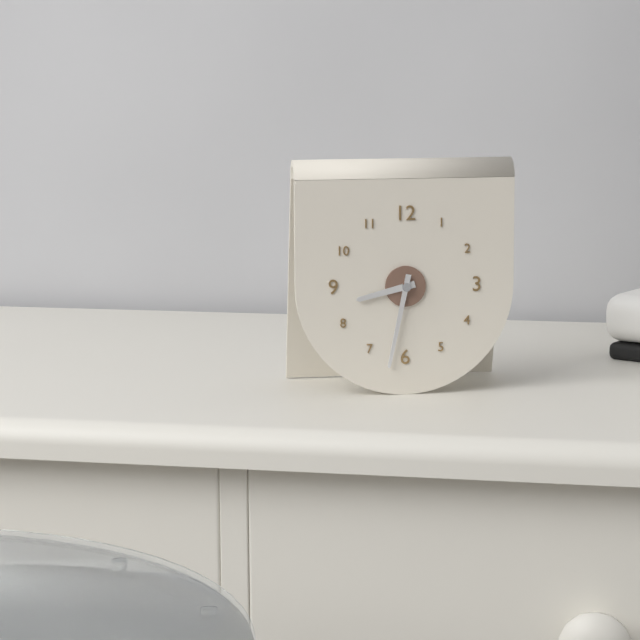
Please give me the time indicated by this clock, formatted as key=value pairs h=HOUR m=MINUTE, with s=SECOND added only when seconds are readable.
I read h=8 m=32
